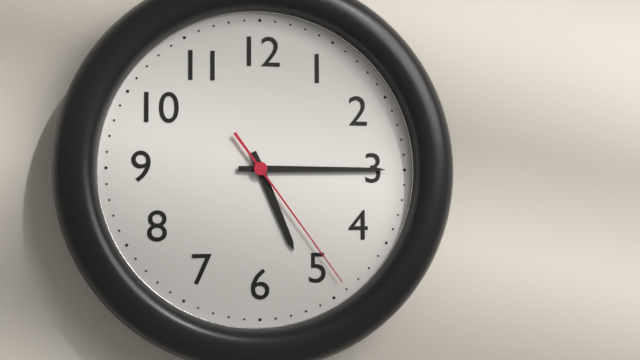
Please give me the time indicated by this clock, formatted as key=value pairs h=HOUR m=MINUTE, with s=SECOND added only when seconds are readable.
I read h=5 m=15 s=24
